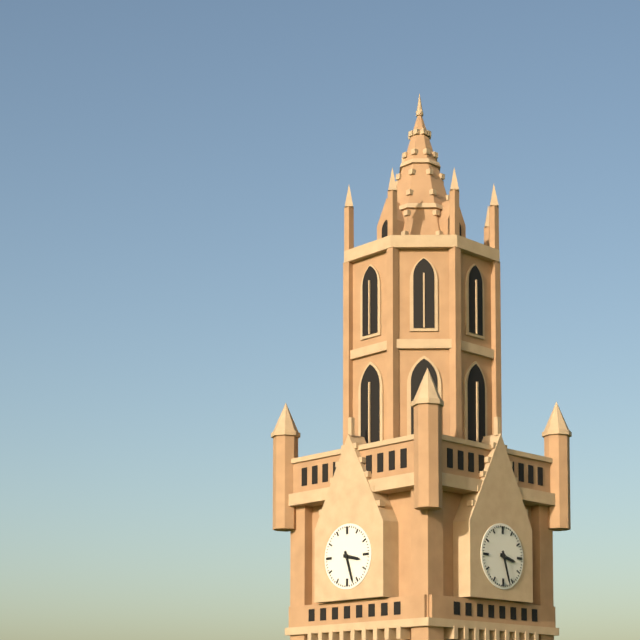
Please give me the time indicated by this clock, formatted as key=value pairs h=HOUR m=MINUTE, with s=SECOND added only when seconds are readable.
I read h=3 m=27
